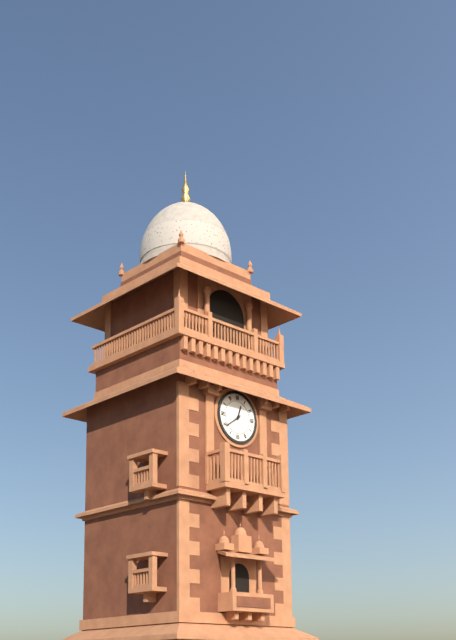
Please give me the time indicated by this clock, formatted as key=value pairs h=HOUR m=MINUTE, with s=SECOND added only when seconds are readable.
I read h=12 m=39
